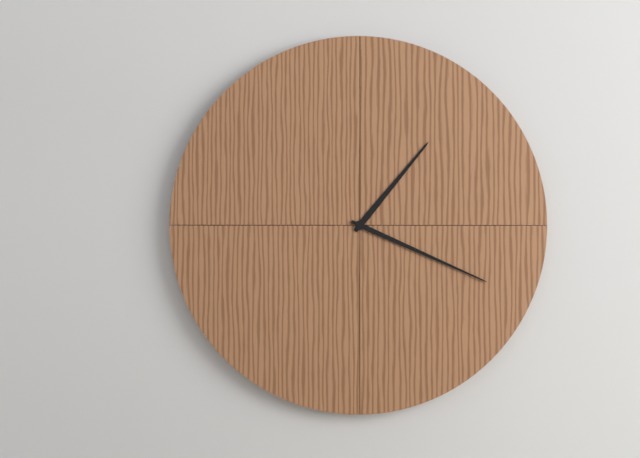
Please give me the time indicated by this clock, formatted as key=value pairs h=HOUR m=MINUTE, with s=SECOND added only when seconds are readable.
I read h=1 m=19
